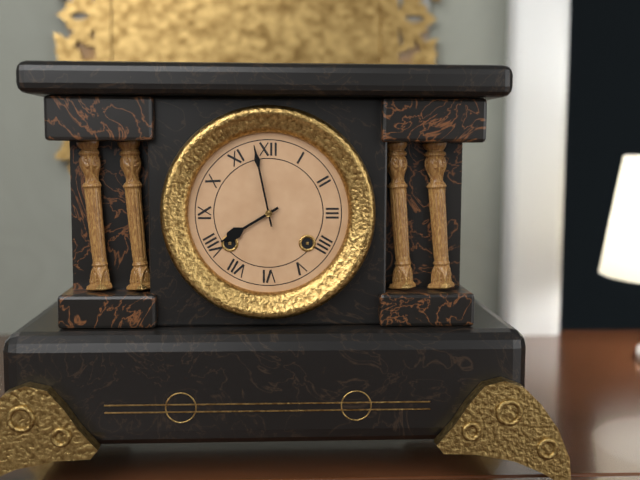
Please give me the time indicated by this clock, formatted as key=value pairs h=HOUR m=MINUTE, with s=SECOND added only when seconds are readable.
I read h=7 m=58
